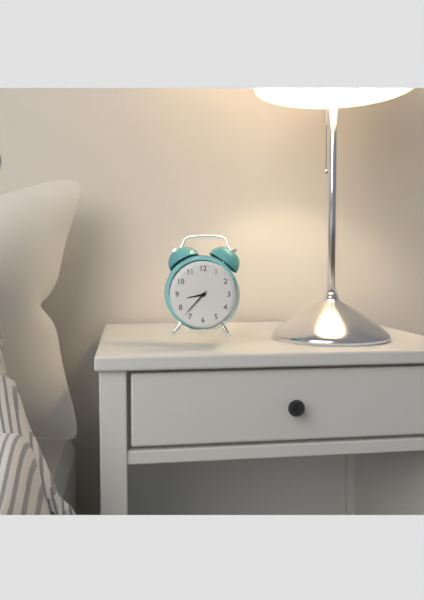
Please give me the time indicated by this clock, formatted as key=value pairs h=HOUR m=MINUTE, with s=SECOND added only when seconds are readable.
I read h=8 m=37
